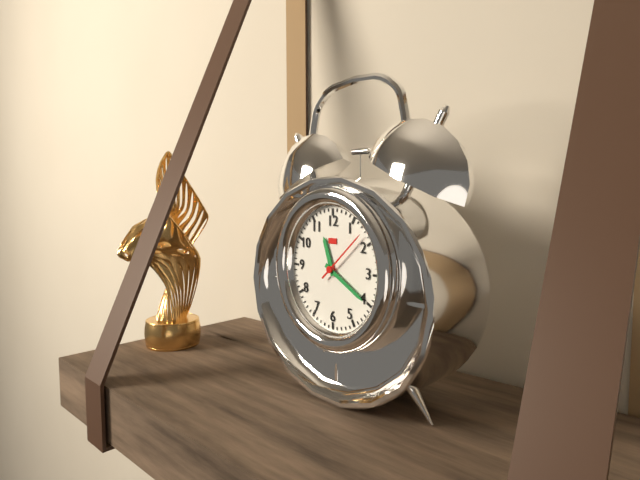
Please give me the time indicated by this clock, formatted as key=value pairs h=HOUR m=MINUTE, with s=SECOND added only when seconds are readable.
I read h=11 m=20 s=8
